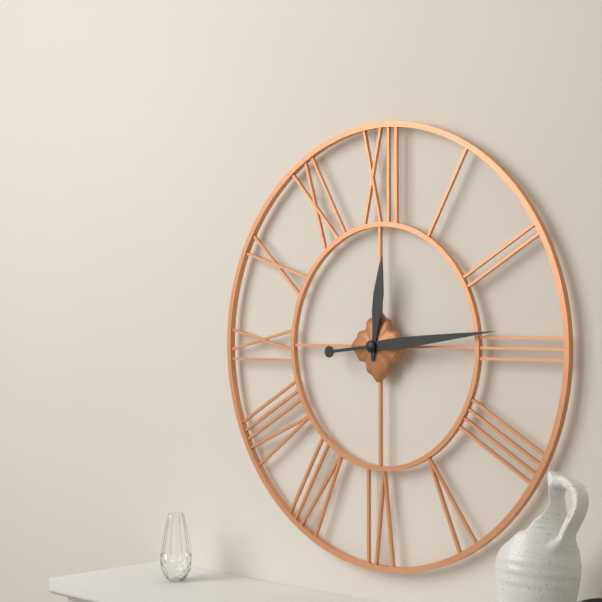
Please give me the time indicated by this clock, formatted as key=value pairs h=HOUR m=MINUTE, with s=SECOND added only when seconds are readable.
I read h=12 m=14
